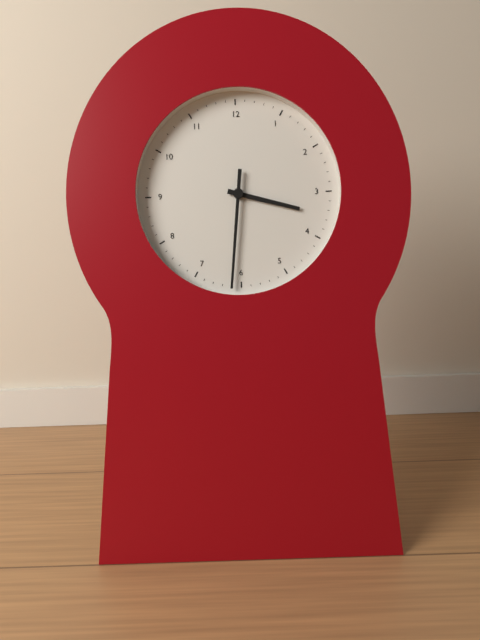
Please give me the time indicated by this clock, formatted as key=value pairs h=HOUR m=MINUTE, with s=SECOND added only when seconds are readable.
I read h=3 m=31
